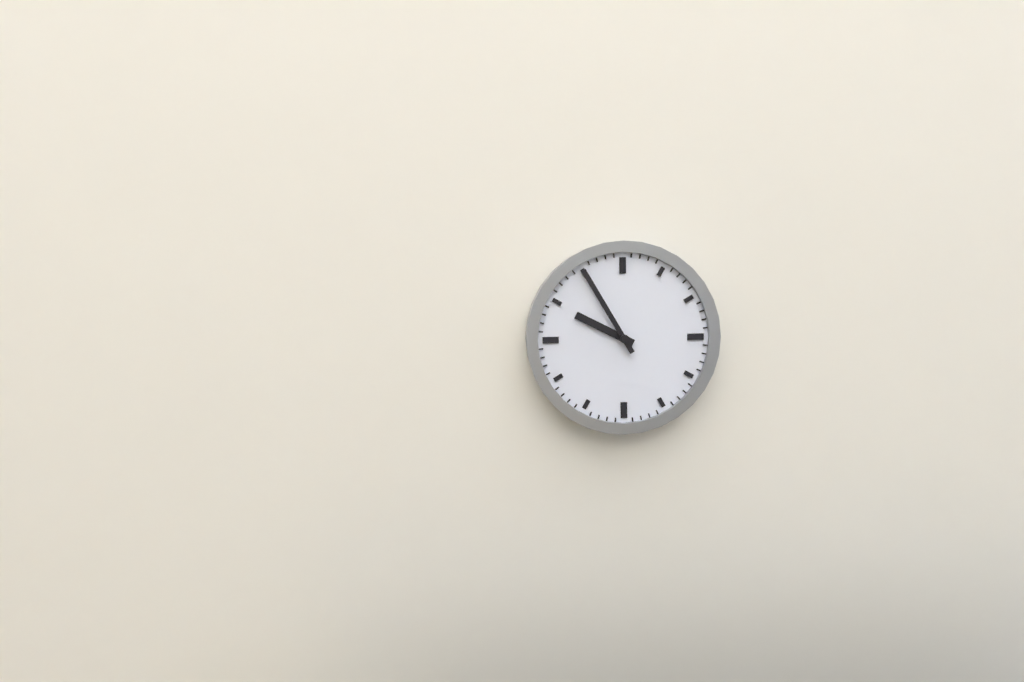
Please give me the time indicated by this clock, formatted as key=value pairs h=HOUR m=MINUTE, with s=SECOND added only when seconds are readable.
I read h=9 m=55
